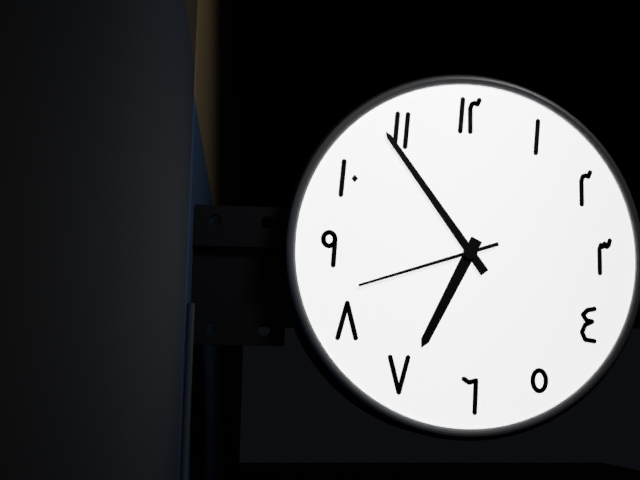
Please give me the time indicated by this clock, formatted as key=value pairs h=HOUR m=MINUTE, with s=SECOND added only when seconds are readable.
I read h=6 m=54 s=42
